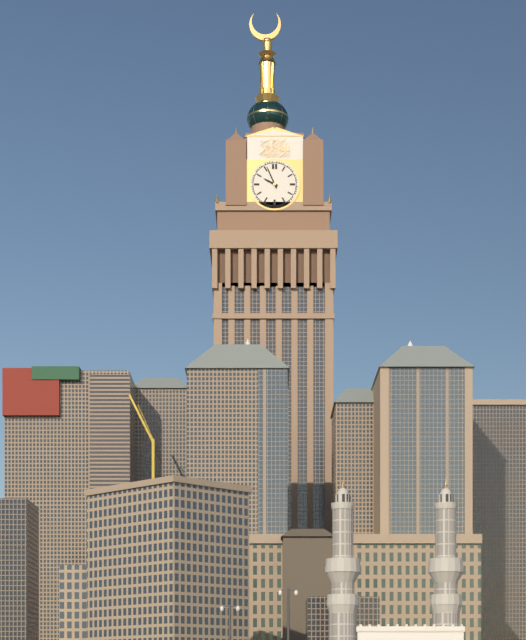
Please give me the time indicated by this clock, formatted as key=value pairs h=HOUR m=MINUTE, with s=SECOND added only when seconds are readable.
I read h=9 m=56
